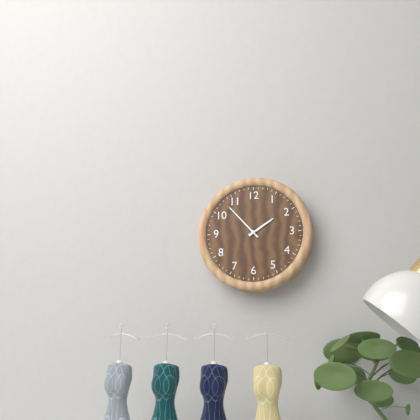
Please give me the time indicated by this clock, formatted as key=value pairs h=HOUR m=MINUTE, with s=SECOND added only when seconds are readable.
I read h=1 m=53
